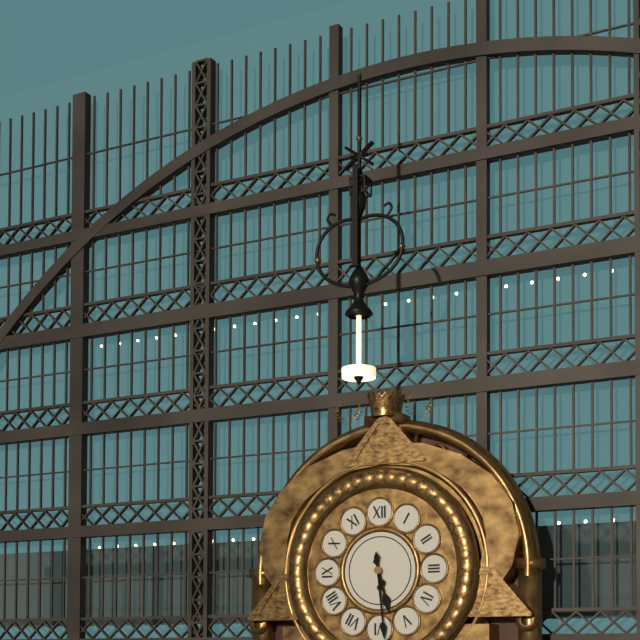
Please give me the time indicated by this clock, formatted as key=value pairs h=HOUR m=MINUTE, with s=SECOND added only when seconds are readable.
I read h=5 m=29
